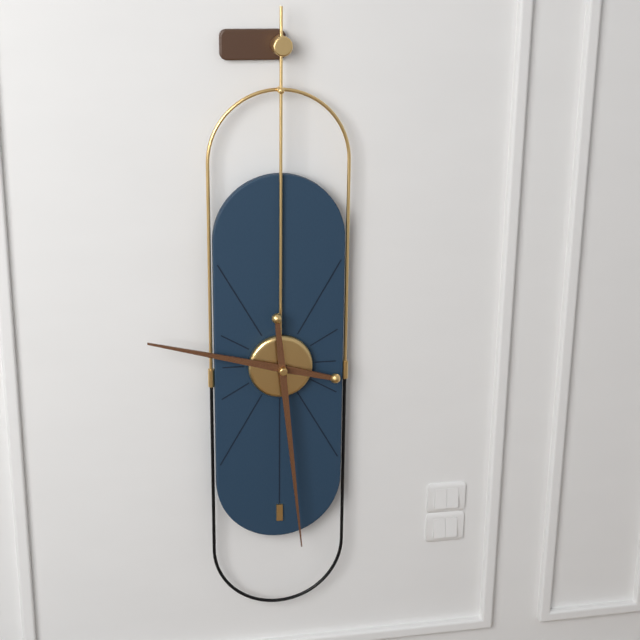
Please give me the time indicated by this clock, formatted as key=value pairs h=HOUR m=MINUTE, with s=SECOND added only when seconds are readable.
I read h=9 m=29
